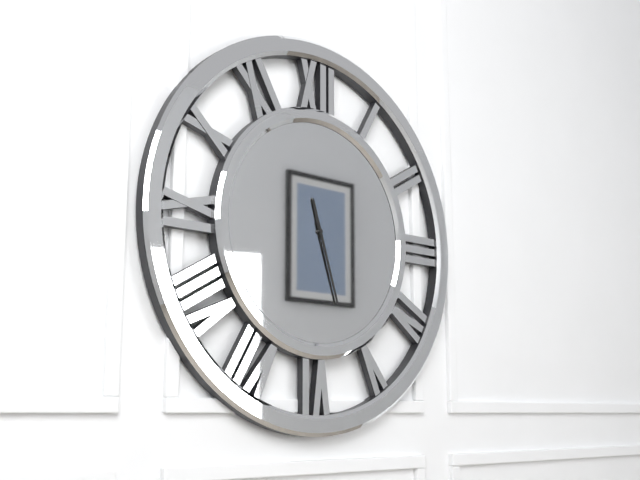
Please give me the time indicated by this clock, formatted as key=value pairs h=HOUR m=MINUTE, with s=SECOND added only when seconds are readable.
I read h=11 m=27
